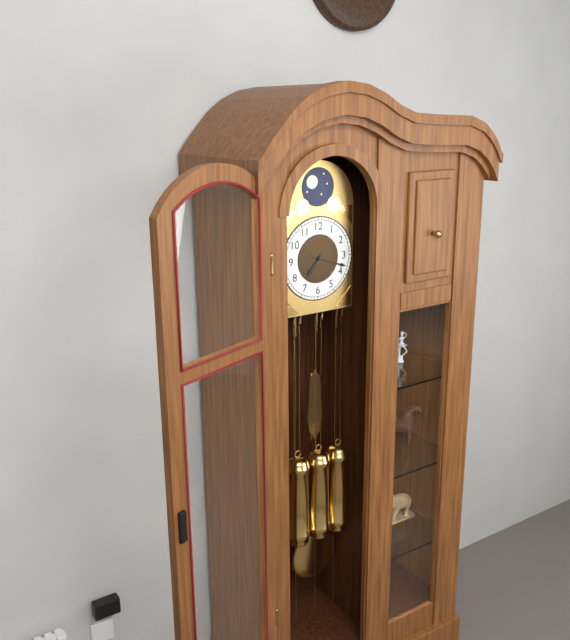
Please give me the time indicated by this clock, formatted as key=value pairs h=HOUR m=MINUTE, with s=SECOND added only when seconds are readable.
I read h=7 m=18
